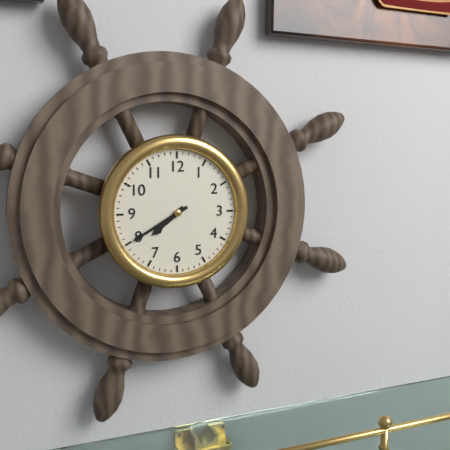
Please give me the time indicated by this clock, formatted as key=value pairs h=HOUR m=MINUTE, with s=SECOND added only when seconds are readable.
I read h=7 m=40
